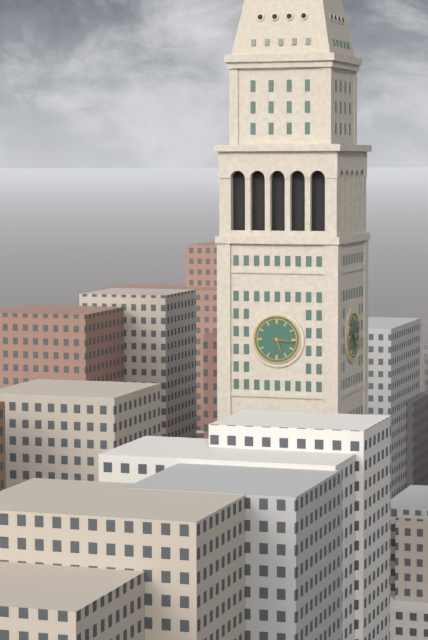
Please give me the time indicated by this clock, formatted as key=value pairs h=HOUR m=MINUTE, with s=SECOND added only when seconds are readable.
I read h=5 m=16
